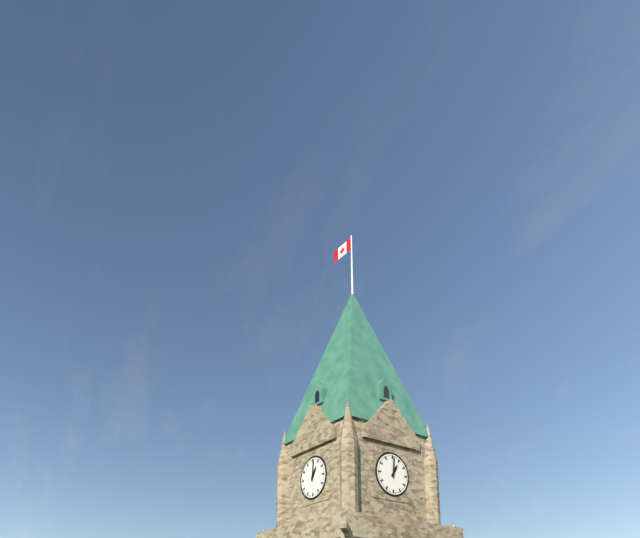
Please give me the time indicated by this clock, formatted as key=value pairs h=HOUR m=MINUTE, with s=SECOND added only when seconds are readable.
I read h=1 m=1
